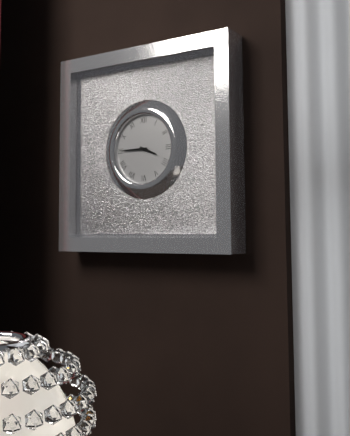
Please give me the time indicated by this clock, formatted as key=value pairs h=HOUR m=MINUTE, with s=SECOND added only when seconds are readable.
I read h=3 m=45
